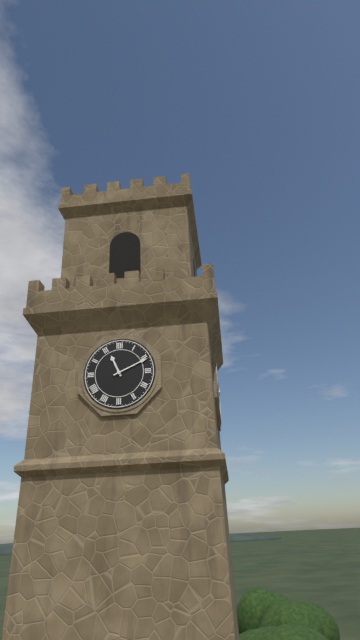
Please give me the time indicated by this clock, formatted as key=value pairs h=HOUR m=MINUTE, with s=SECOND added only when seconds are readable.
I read h=11 m=11
